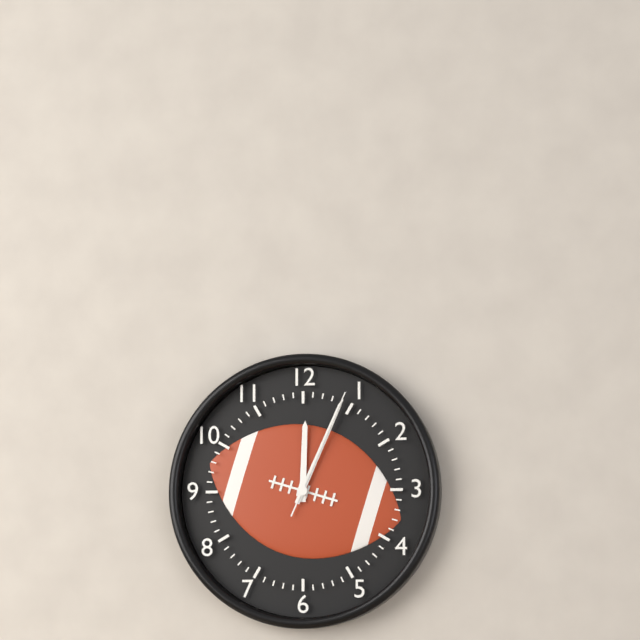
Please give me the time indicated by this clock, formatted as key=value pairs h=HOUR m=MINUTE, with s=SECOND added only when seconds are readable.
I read h=12 m=4 s=4
